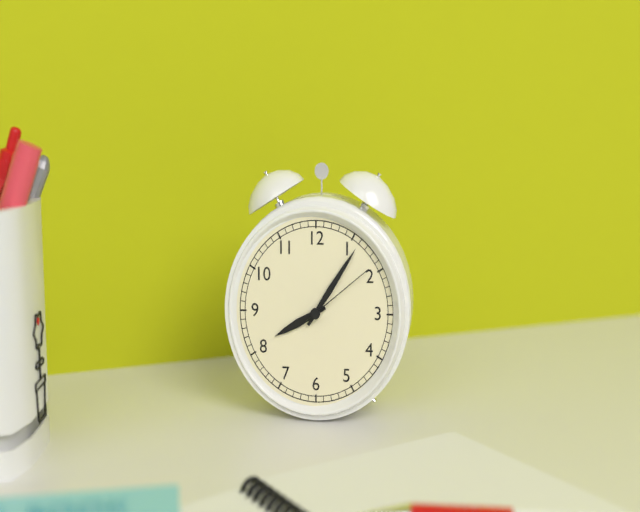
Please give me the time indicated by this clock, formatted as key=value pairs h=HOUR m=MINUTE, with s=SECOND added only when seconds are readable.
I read h=8 m=6 s=9
